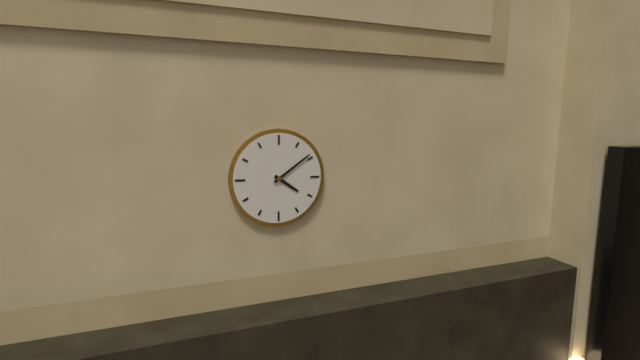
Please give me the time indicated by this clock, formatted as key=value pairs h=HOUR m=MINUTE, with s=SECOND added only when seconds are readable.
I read h=4 m=9
